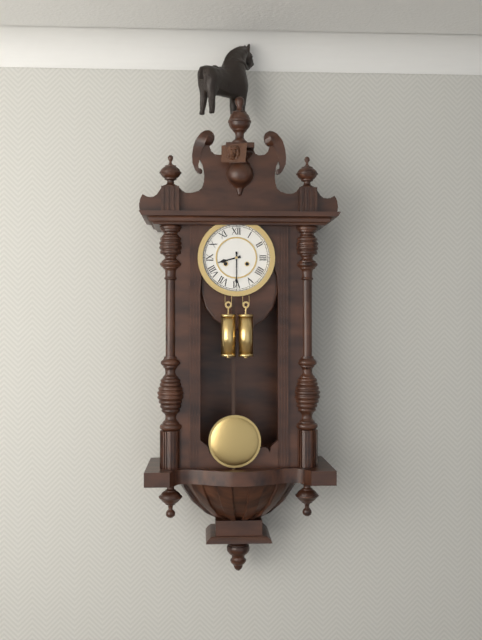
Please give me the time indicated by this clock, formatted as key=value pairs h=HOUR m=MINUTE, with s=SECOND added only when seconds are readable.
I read h=8 m=30
